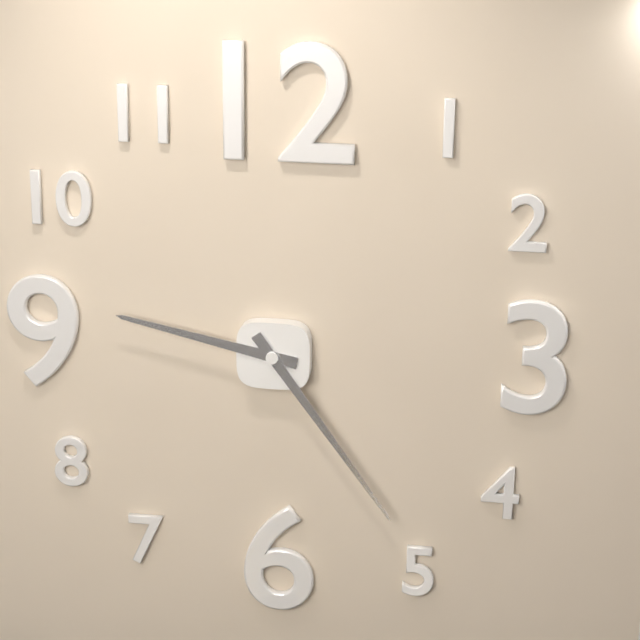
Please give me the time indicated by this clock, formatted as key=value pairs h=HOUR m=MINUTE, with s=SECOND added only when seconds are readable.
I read h=9 m=24
